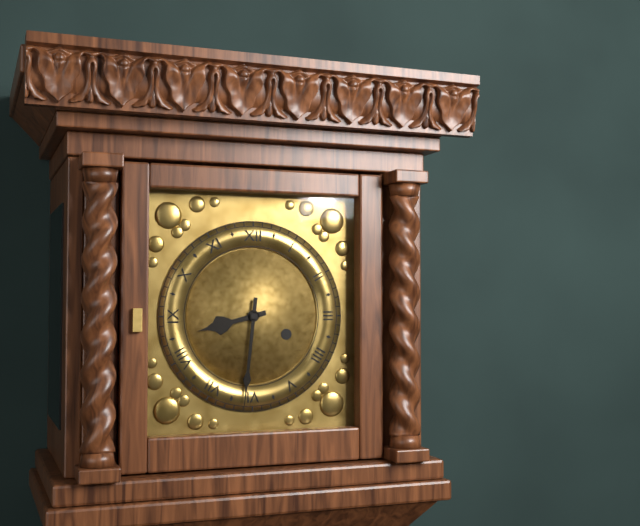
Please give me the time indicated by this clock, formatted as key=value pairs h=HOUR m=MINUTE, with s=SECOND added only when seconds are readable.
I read h=8 m=31
